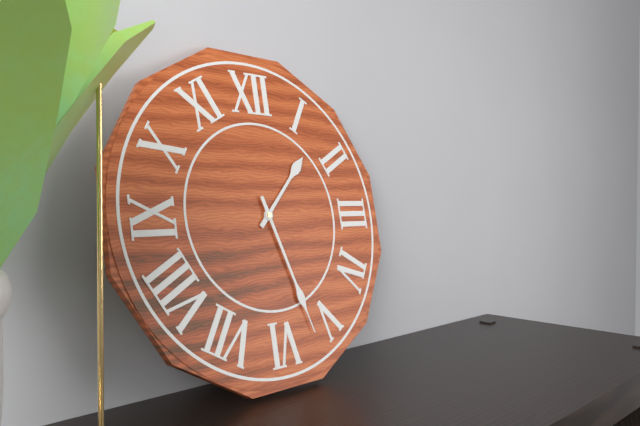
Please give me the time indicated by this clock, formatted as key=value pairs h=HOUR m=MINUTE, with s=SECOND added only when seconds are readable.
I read h=1 m=27
